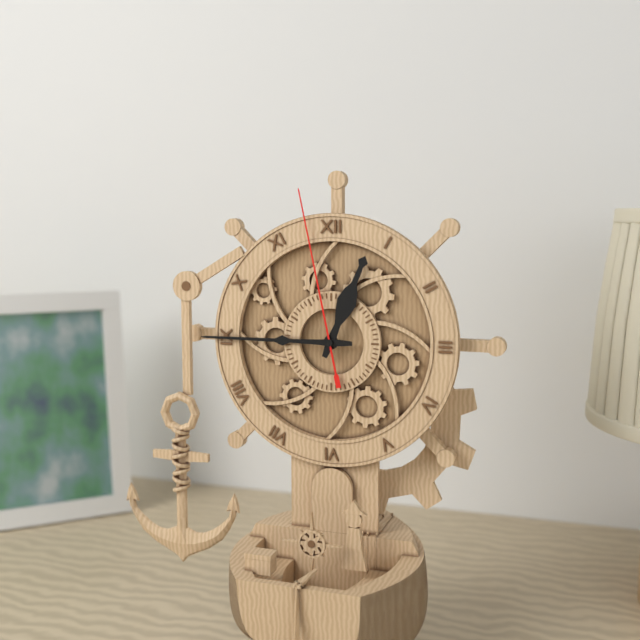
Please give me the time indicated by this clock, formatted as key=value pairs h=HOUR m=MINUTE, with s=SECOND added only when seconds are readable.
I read h=12 m=45 s=58
